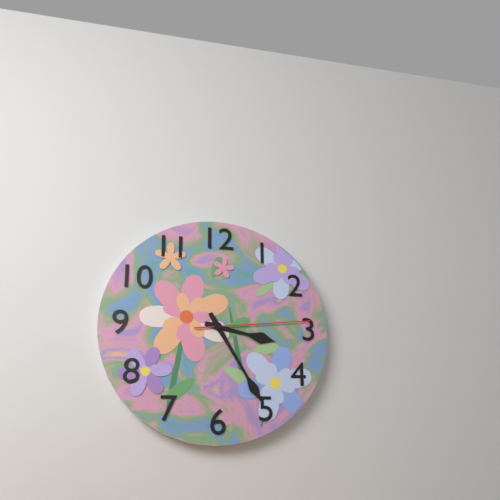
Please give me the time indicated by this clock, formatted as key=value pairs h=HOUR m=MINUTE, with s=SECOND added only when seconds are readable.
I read h=3 m=25 s=14
